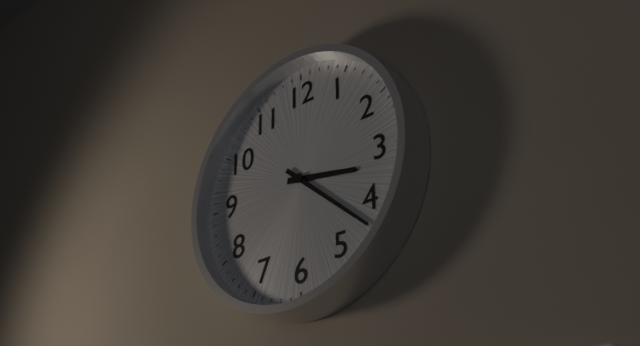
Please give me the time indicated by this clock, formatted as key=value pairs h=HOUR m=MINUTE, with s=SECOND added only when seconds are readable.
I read h=3 m=22
